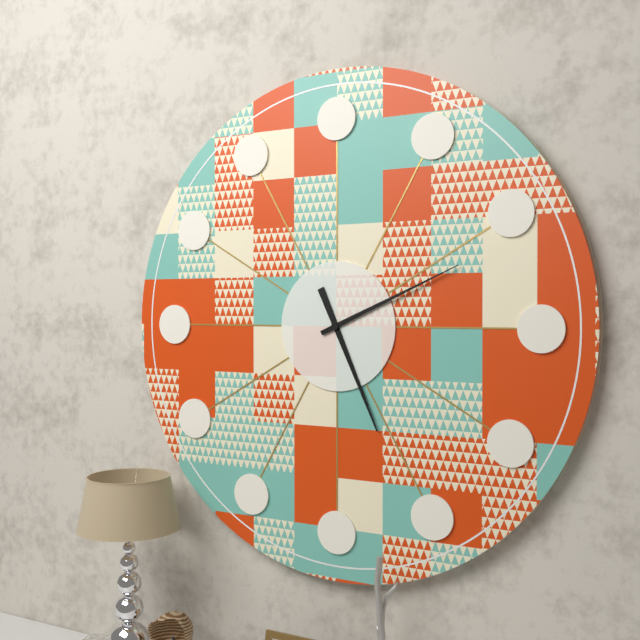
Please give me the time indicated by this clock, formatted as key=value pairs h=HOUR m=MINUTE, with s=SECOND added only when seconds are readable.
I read h=5 m=11
